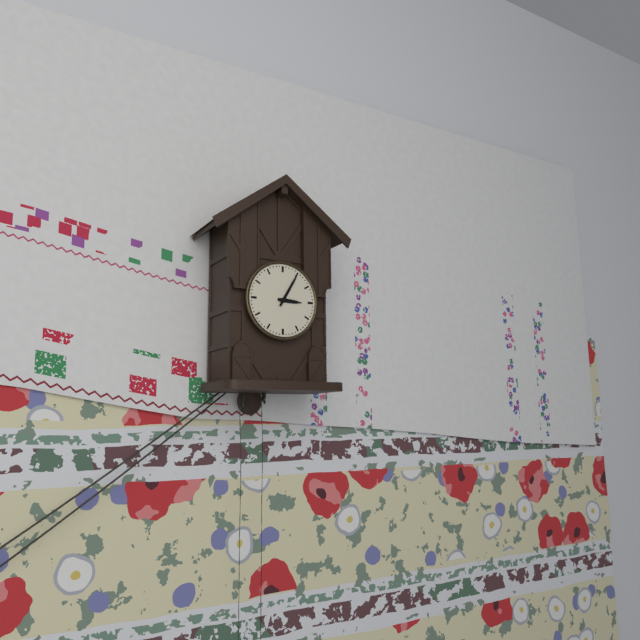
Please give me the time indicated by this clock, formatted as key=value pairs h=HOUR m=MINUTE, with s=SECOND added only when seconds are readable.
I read h=3 m=5
